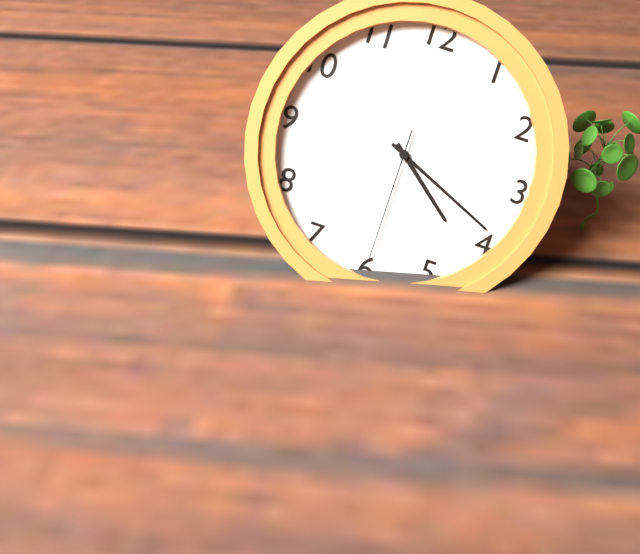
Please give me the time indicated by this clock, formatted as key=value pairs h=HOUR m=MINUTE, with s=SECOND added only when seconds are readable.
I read h=4 m=19 s=30
